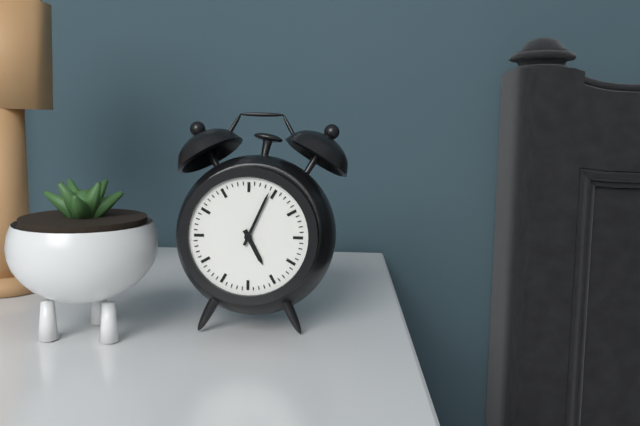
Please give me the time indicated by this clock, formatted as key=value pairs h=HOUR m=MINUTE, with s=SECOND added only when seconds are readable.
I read h=5 m=4
